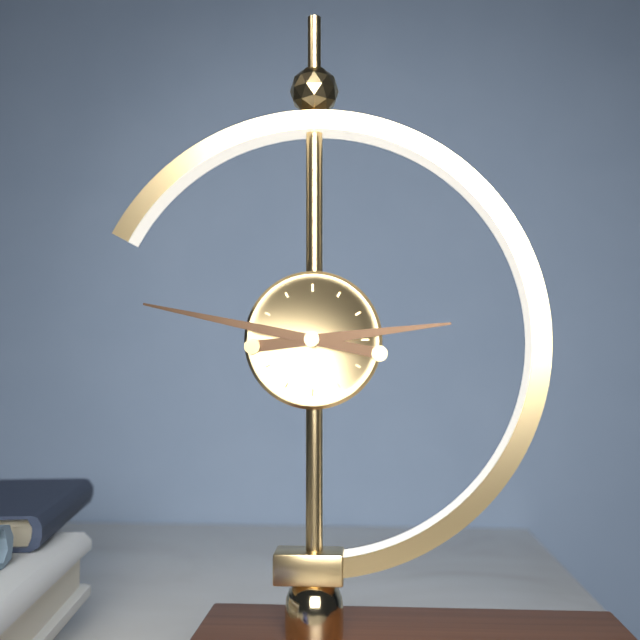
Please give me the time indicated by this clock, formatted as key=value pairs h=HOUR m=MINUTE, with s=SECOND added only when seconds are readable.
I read h=2 m=47
